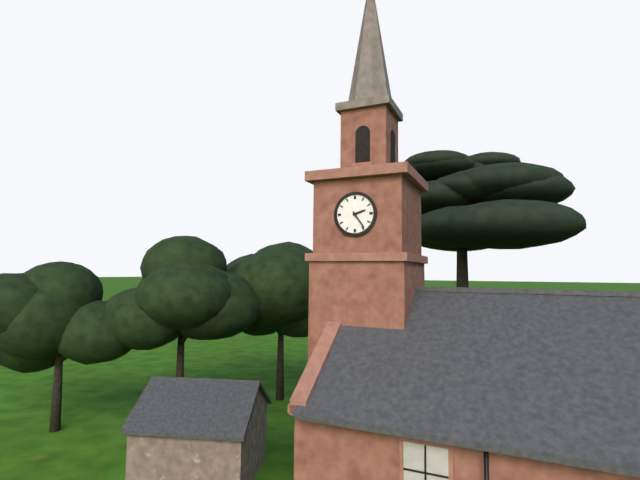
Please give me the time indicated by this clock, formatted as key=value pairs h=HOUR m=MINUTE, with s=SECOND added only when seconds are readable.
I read h=2 m=24
